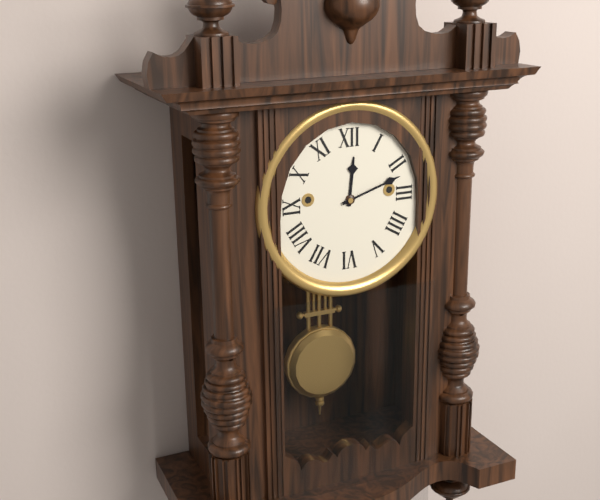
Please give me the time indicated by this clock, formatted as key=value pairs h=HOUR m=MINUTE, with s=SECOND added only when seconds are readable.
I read h=12 m=12
